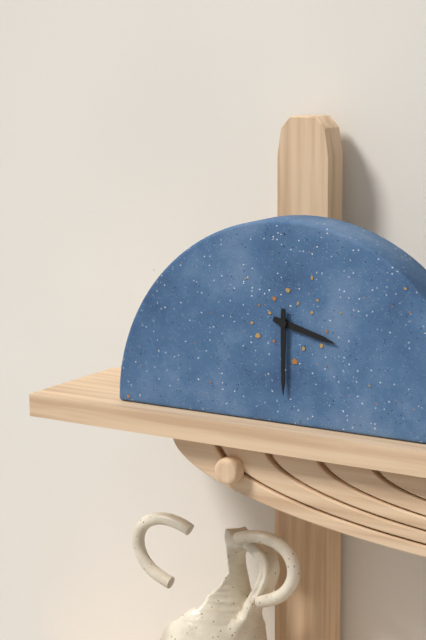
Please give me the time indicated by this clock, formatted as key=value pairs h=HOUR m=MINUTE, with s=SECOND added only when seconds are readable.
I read h=3 m=30
